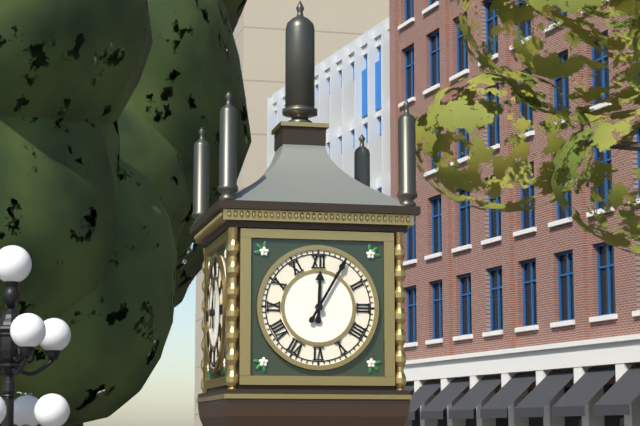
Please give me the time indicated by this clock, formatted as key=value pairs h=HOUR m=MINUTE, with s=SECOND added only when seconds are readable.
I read h=12 m=5
